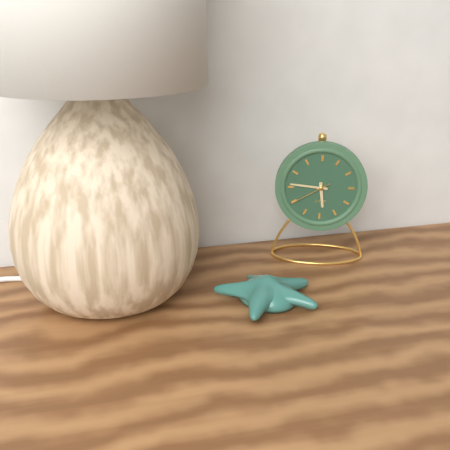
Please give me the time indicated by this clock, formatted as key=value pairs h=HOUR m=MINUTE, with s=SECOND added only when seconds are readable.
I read h=5 m=46
